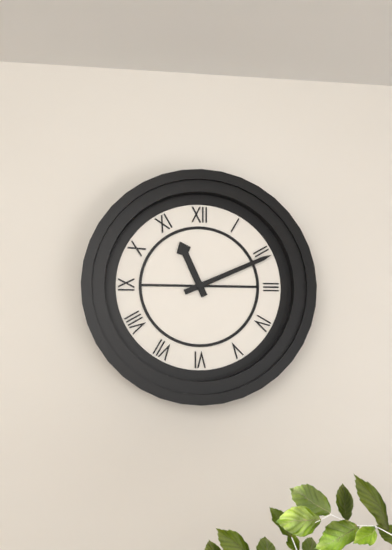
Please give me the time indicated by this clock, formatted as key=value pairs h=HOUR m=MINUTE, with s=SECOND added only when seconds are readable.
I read h=11 m=11
